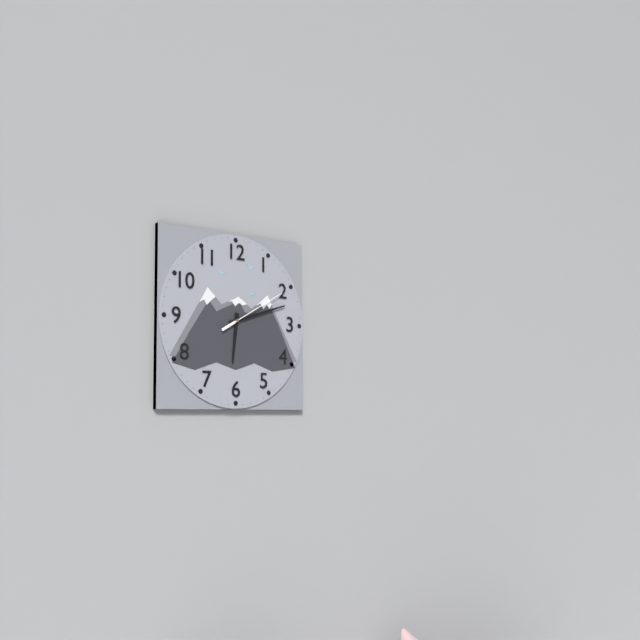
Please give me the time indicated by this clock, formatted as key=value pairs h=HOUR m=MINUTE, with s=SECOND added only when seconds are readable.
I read h=6 m=12 s=10
